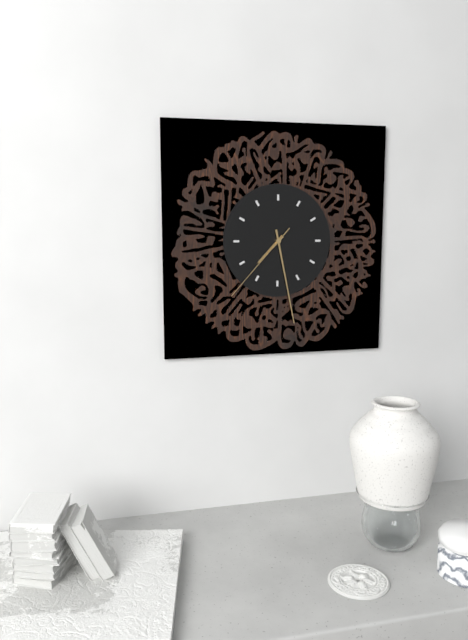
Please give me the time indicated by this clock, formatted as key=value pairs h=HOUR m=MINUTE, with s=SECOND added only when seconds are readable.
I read h=7 m=28 s=37
